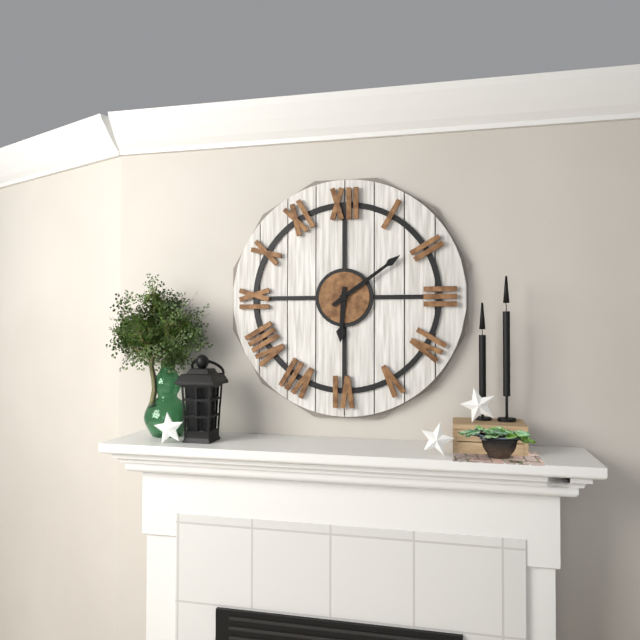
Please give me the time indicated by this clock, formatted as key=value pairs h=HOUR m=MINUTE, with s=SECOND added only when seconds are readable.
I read h=6 m=9
